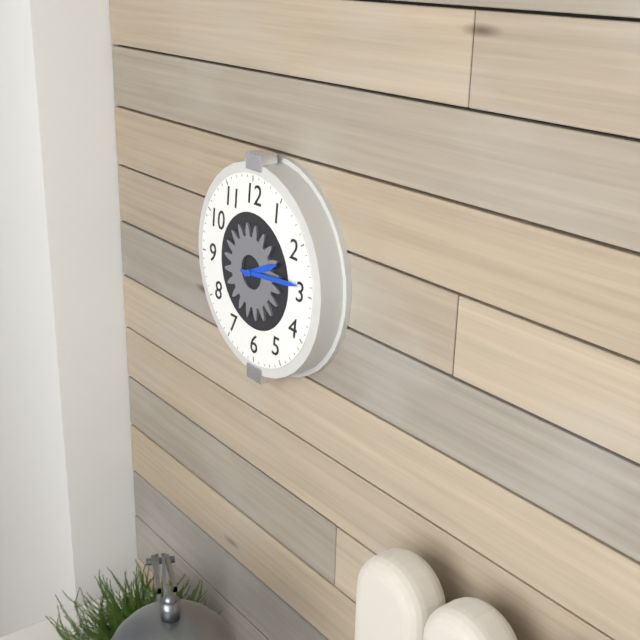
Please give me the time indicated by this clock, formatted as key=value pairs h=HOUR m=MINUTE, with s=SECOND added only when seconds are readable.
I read h=2 m=14
